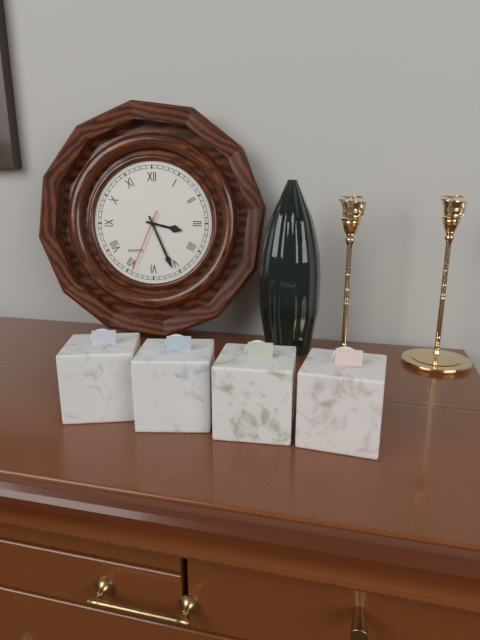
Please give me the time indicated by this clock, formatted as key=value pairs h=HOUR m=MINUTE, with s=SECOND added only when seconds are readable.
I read h=3 m=26 s=34
